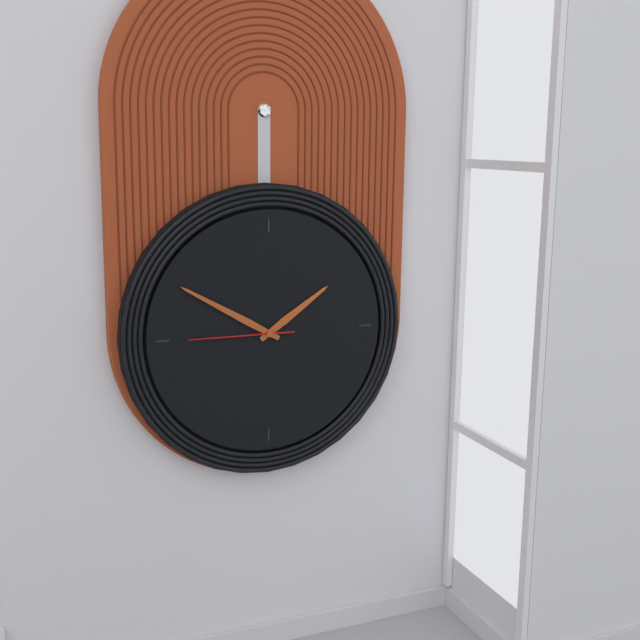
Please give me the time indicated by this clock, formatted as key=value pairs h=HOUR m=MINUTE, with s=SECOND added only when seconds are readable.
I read h=1 m=50 s=45
